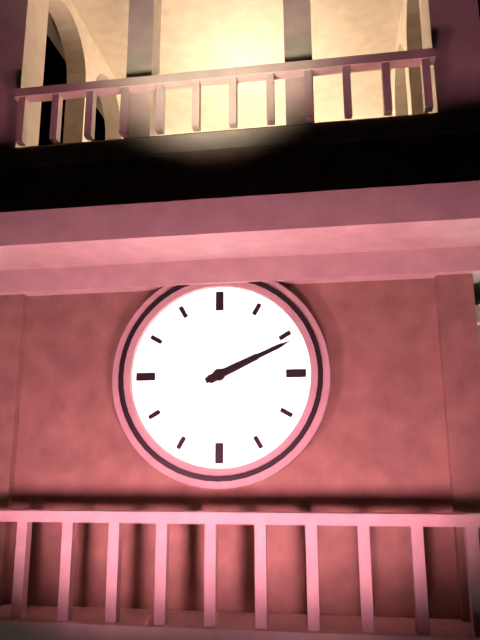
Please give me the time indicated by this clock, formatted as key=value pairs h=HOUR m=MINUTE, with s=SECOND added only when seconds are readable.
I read h=2 m=11
